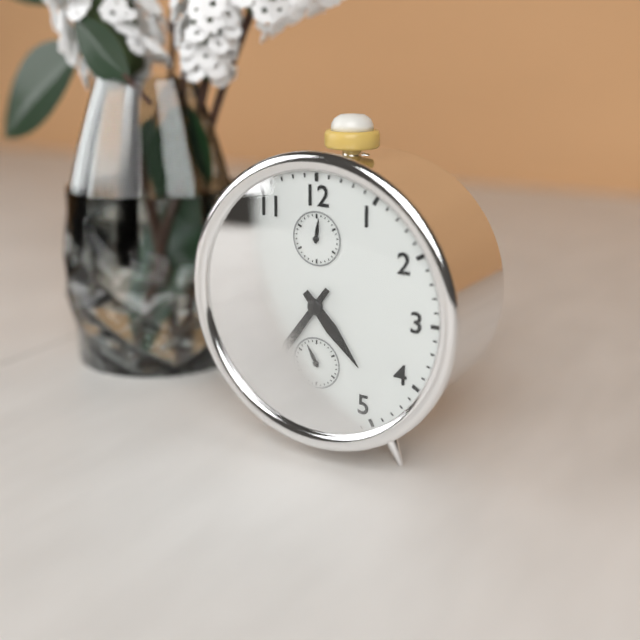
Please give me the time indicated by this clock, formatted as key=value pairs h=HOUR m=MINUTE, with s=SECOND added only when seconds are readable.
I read h=4 m=36
